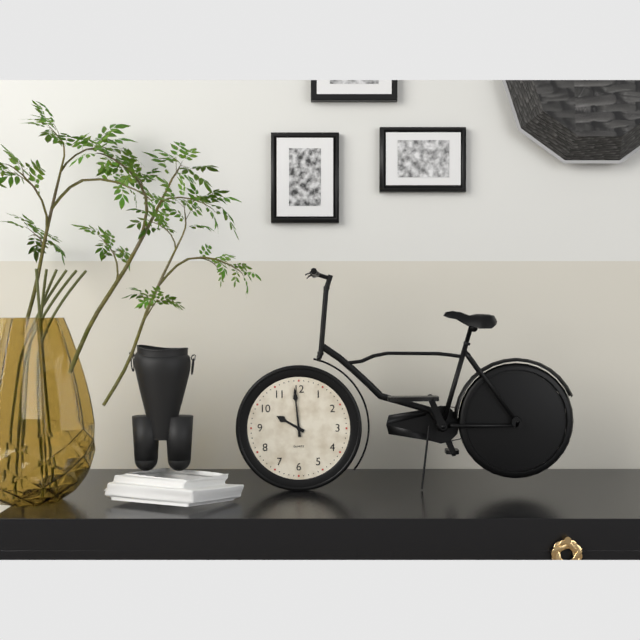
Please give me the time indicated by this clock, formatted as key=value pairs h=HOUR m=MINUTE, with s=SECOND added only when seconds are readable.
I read h=9 m=59
